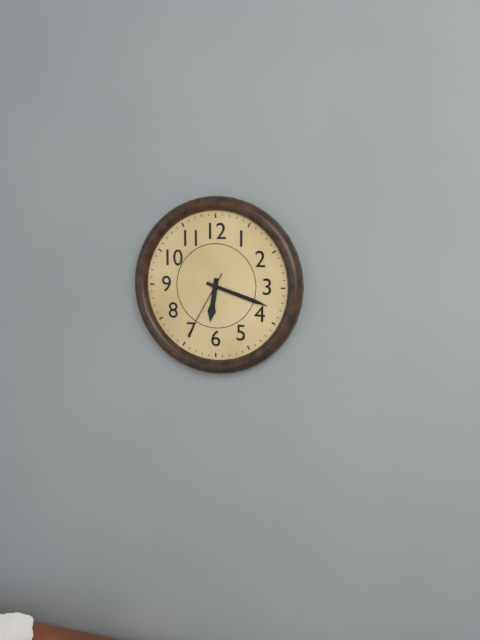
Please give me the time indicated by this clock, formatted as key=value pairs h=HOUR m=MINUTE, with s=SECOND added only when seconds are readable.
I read h=6 m=18 s=35
